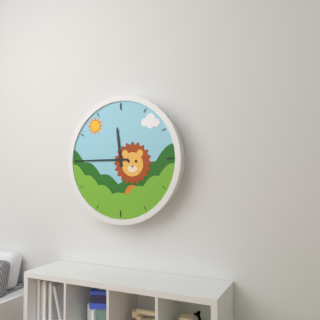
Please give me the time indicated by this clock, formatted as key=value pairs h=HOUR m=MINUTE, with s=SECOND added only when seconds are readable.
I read h=11 m=45
